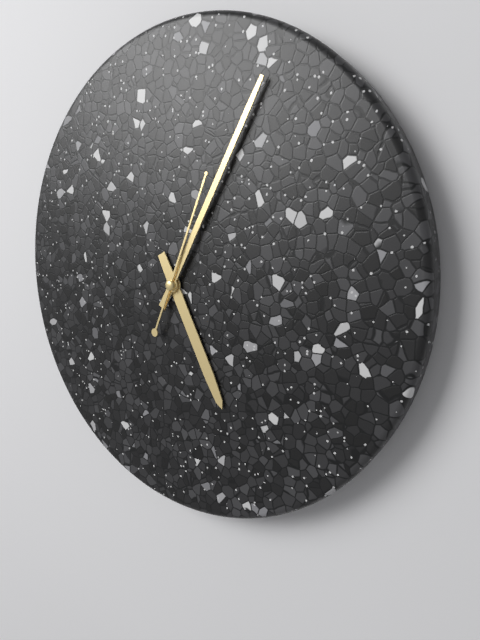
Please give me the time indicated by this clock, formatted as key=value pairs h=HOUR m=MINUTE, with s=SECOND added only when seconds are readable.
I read h=5 m=5 s=4
